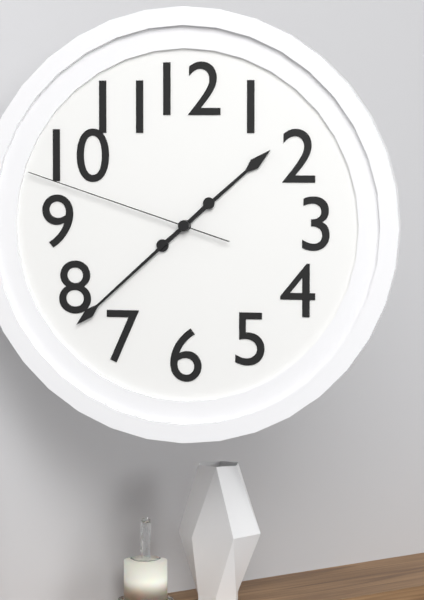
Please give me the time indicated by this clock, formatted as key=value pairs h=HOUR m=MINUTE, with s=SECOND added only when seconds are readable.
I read h=1 m=38 s=48
